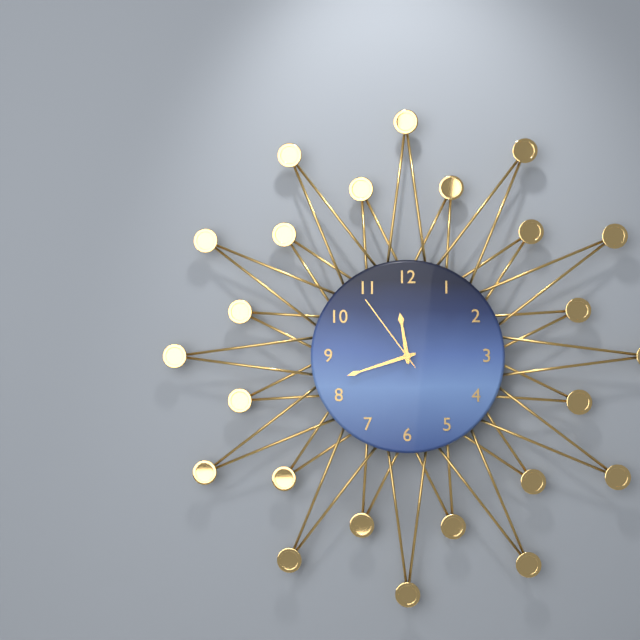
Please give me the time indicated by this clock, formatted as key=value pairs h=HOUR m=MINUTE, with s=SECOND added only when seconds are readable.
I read h=11 m=42 s=54
